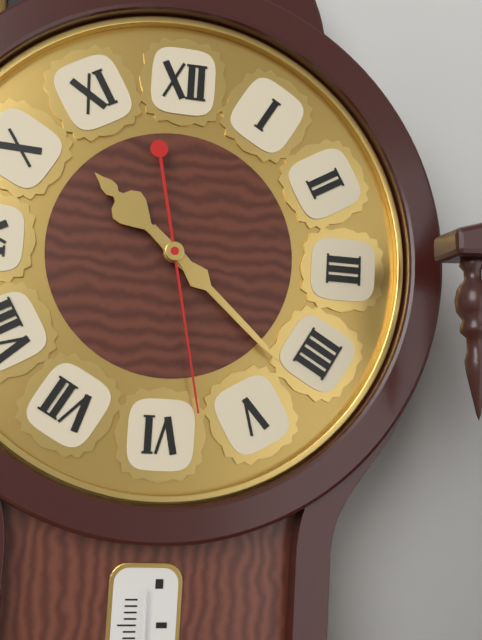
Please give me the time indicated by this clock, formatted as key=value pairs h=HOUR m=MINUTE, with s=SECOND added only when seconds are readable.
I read h=10 m=22 s=28
